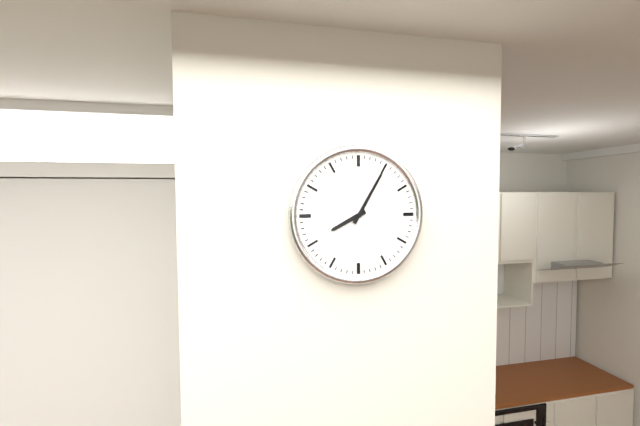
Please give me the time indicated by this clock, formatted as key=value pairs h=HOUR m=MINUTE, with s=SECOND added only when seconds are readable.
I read h=8 m=5
